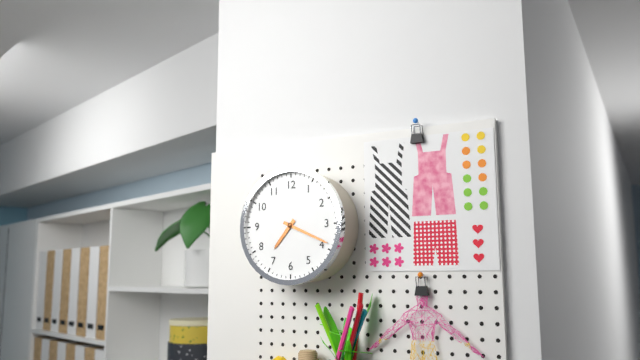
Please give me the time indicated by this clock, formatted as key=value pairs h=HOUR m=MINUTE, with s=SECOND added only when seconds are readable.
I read h=7 m=19
